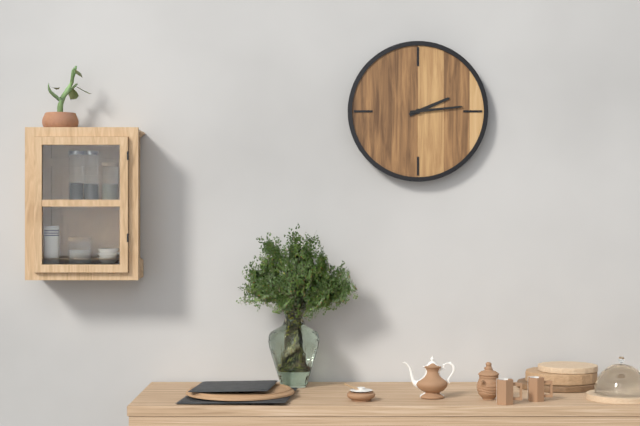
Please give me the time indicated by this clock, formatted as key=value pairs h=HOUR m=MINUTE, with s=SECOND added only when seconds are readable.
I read h=2 m=14
